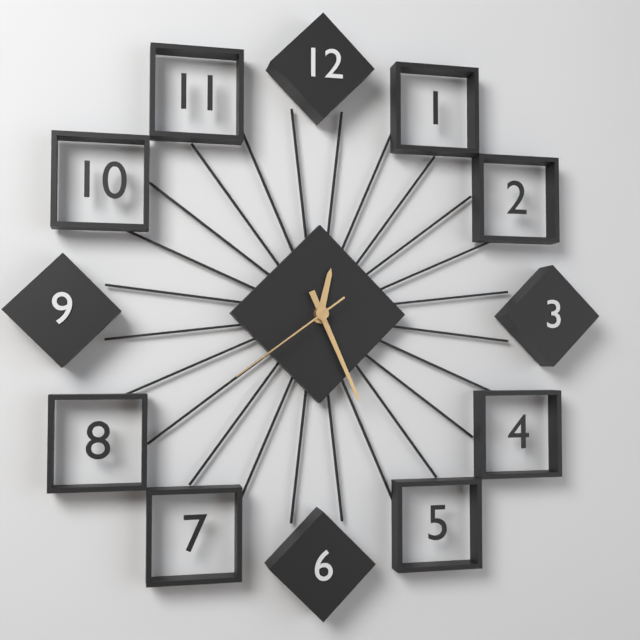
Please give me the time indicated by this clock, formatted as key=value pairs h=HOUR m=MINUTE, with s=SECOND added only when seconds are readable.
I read h=12 m=26 s=39
